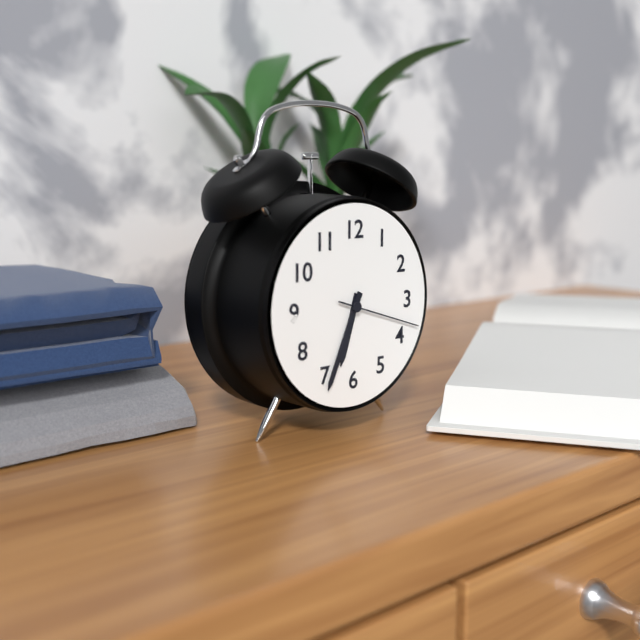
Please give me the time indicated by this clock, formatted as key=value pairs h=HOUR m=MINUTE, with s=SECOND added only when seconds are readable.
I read h=6 m=34 s=18
